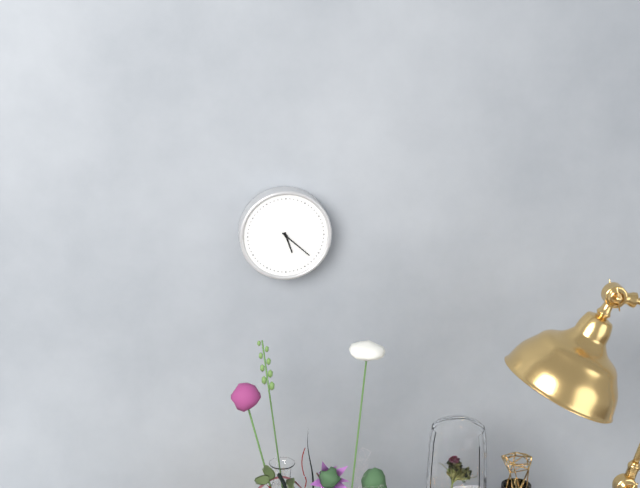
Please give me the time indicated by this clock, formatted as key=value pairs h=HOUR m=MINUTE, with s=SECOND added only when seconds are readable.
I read h=5 m=22
